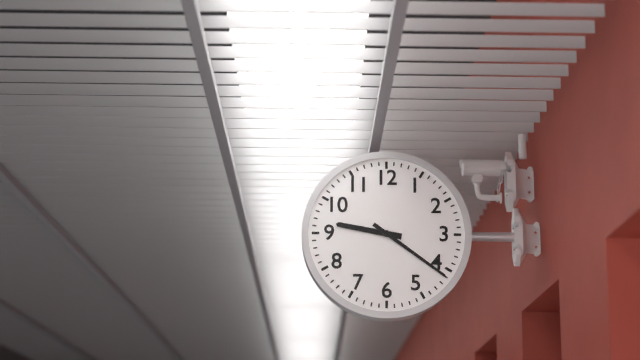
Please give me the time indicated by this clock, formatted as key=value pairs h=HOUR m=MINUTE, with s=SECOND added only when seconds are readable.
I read h=9 m=21
